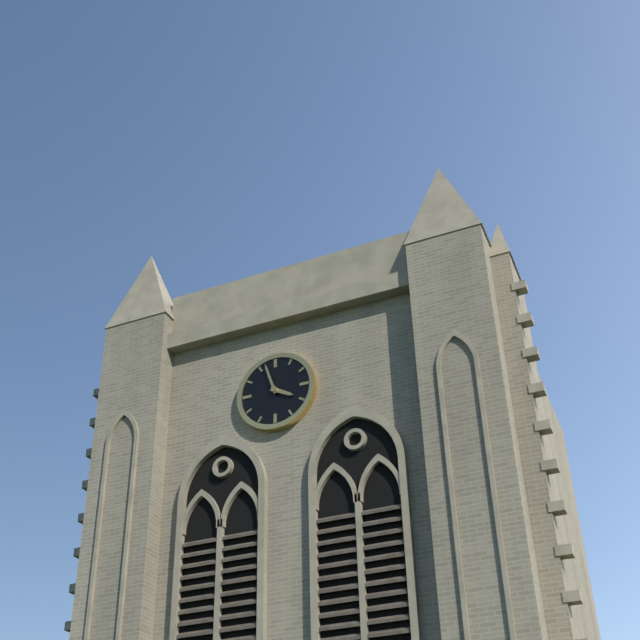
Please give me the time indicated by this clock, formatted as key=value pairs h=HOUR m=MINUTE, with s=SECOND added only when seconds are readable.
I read h=3 m=57
